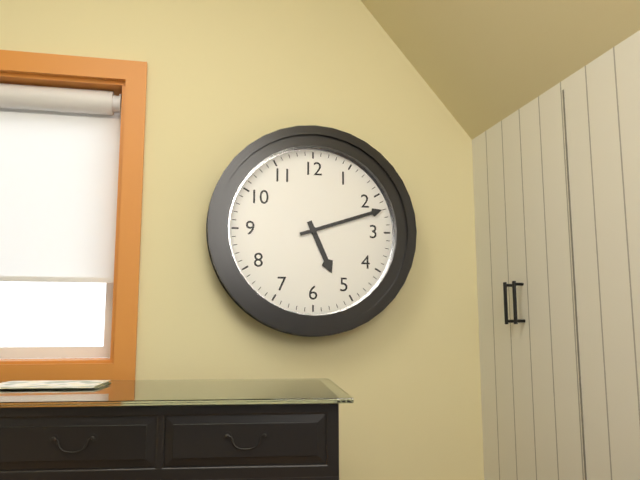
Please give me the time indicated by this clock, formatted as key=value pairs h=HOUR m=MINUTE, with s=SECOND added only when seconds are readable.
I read h=5 m=12
